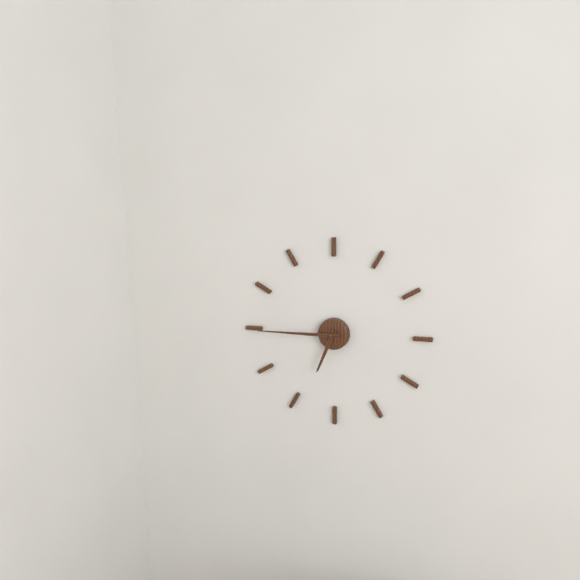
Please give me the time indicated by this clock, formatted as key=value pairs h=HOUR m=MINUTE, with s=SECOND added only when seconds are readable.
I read h=6 m=45
